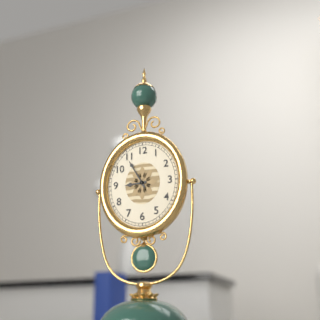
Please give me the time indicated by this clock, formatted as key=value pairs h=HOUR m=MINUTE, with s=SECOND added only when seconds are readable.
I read h=8 m=55
